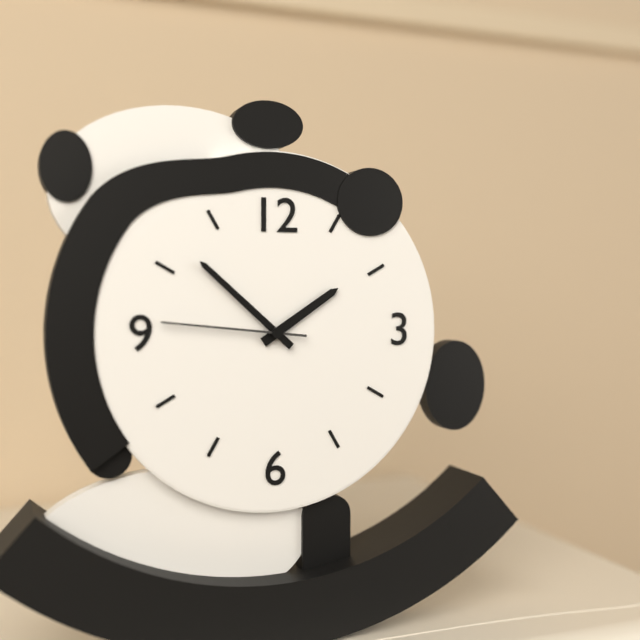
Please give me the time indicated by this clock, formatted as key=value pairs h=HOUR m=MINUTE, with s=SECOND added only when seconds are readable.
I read h=1 m=52 s=46
